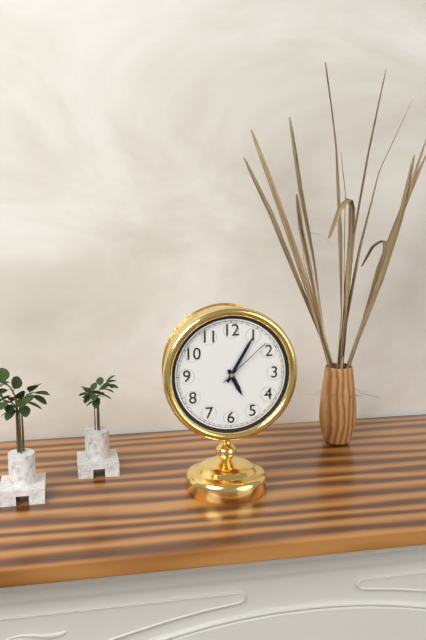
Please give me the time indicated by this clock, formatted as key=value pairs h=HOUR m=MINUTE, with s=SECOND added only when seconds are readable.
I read h=5 m=5 s=8
